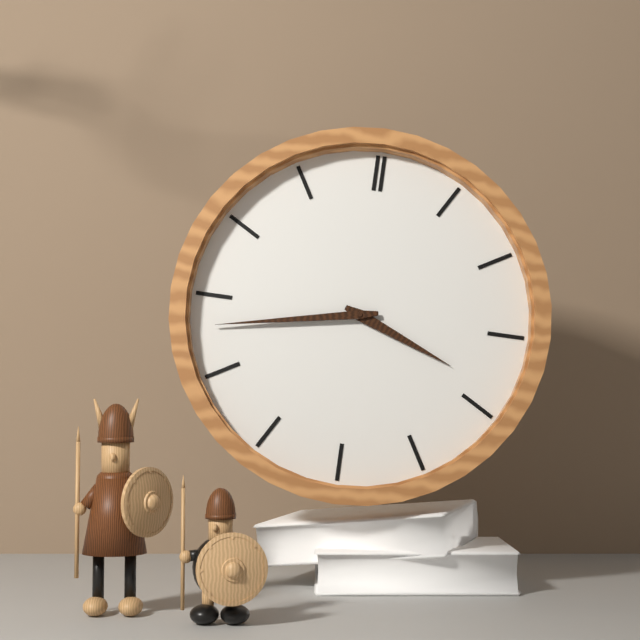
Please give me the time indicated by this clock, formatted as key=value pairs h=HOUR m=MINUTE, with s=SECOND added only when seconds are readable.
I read h=3 m=43
